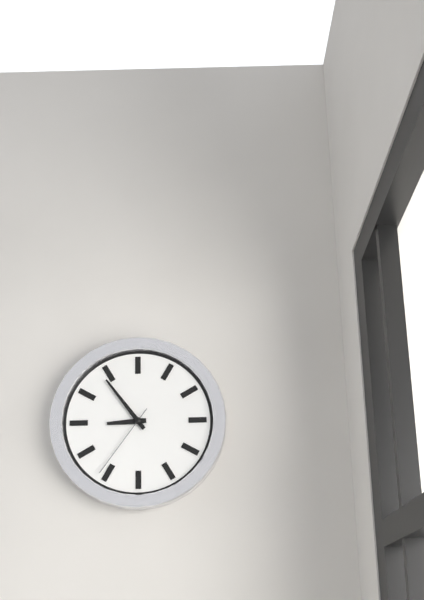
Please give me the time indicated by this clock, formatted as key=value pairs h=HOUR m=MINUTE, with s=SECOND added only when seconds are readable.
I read h=8 m=54 s=36
